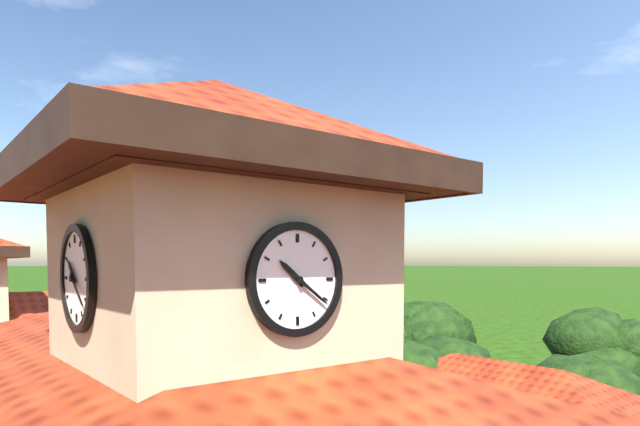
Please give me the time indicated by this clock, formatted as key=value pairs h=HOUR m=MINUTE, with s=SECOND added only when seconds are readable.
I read h=10 m=21
